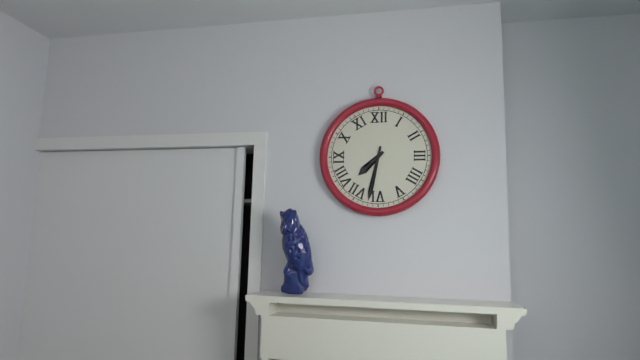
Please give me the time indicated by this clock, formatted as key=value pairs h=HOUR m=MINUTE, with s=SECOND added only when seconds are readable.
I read h=7 m=32
